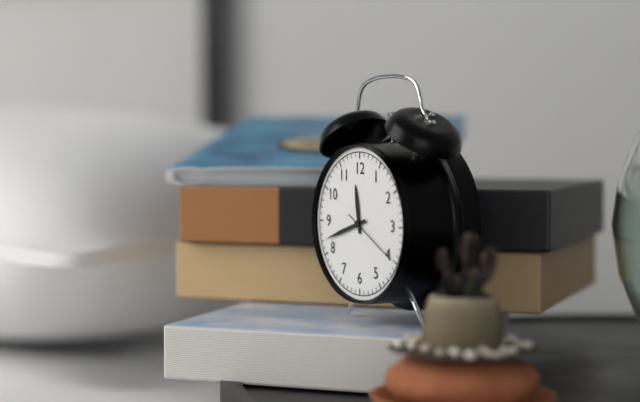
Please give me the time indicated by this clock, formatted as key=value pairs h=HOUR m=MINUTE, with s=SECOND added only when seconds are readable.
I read h=11 m=42 s=20
